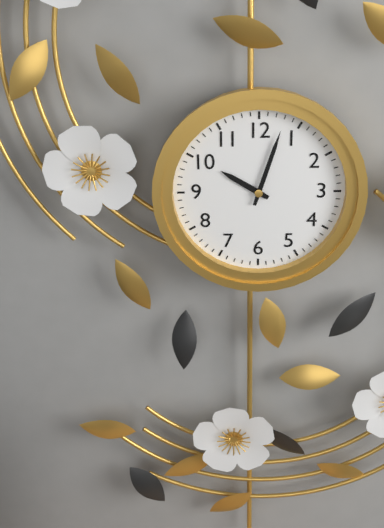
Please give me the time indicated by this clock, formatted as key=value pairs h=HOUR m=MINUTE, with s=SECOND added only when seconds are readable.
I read h=10 m=3
